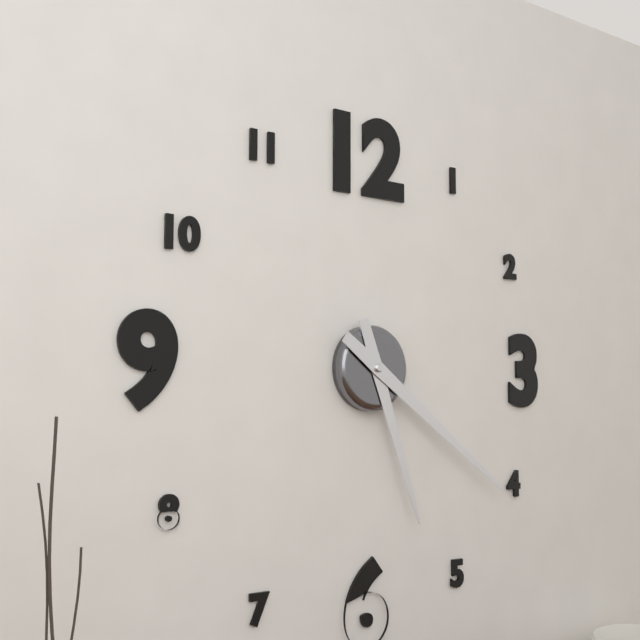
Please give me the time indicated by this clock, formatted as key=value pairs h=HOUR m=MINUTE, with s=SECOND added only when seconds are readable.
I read h=5 m=21
